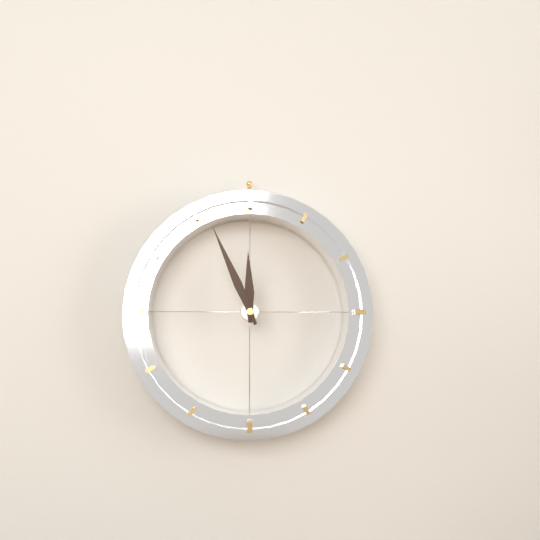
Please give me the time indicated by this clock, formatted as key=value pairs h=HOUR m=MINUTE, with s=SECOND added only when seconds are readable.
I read h=11 m=56
